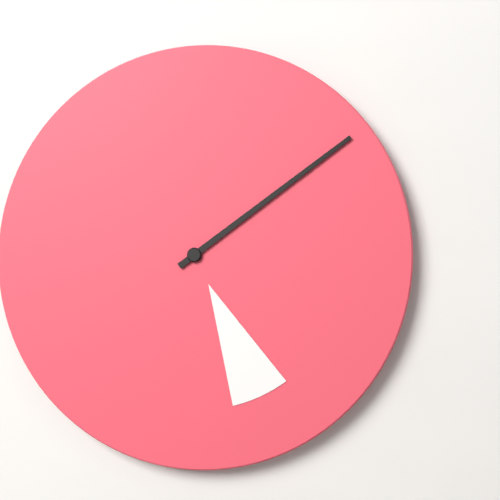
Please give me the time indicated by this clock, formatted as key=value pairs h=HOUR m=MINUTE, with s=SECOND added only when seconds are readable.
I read h=5 m=9
